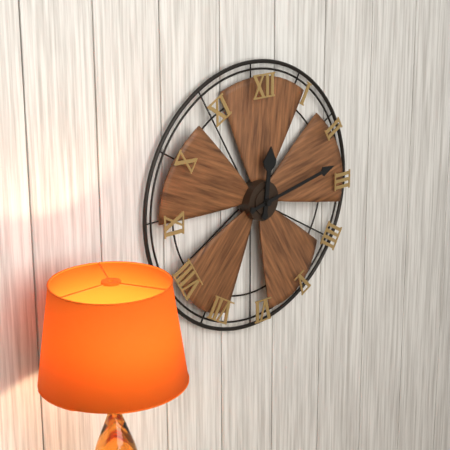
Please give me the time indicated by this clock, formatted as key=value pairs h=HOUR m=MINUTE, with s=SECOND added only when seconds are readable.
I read h=12 m=13
